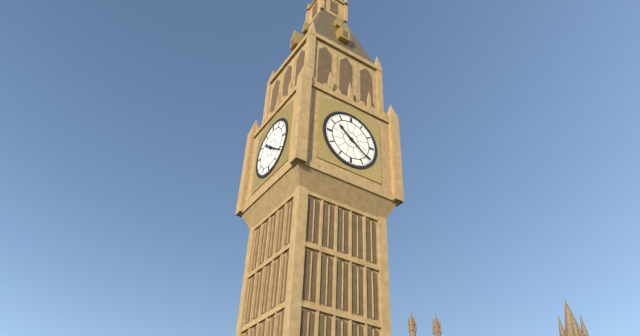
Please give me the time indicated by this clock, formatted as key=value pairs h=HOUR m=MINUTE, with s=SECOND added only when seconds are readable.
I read h=10 m=21
